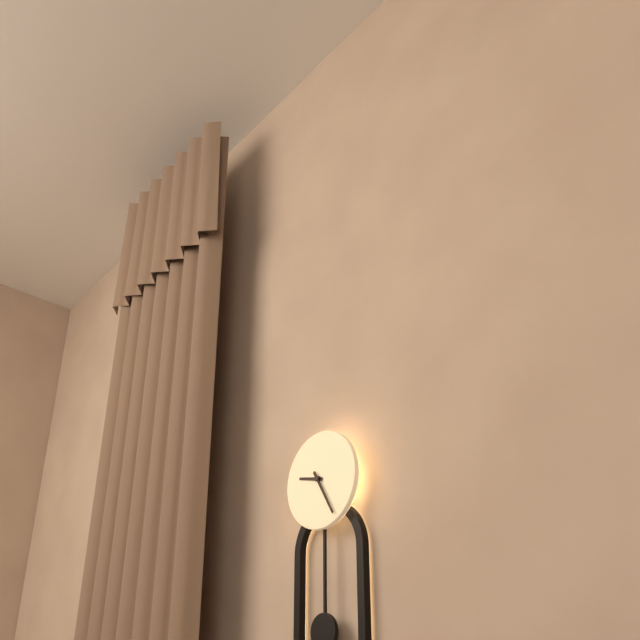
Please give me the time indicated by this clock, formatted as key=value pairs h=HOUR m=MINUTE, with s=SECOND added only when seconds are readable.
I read h=9 m=25
